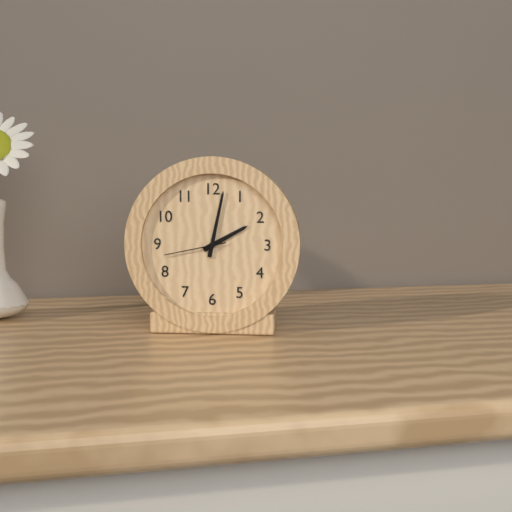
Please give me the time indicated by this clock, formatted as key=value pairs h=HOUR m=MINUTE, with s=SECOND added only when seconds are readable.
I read h=2 m=2 s=43
